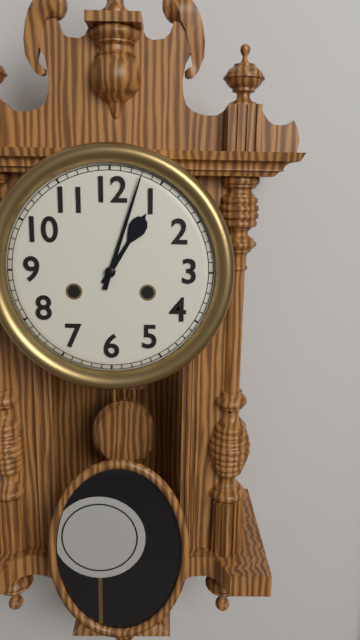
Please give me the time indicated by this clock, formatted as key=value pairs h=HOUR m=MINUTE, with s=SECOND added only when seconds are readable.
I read h=1 m=3
